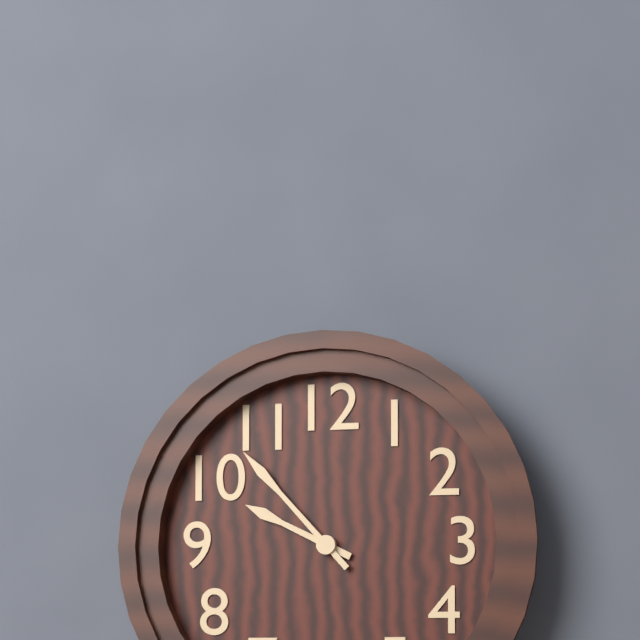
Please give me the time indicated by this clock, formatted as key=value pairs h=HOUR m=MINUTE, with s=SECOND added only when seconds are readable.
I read h=9 m=53
